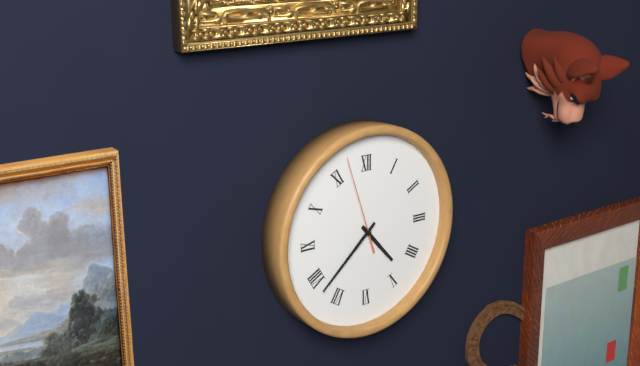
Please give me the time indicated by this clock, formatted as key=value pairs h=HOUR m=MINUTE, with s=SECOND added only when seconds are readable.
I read h=4 m=38 s=57
